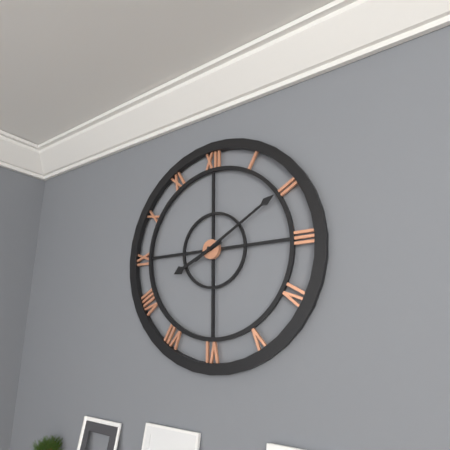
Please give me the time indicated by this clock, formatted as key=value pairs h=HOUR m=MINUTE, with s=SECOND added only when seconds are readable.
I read h=8 m=10
